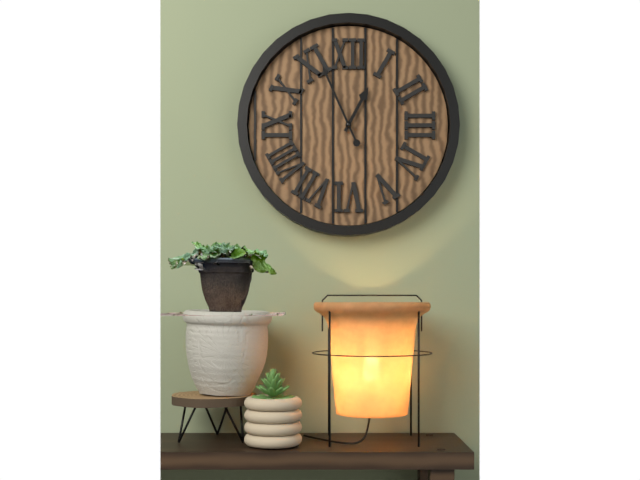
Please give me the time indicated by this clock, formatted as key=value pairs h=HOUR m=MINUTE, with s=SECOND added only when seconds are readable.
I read h=12 m=56
